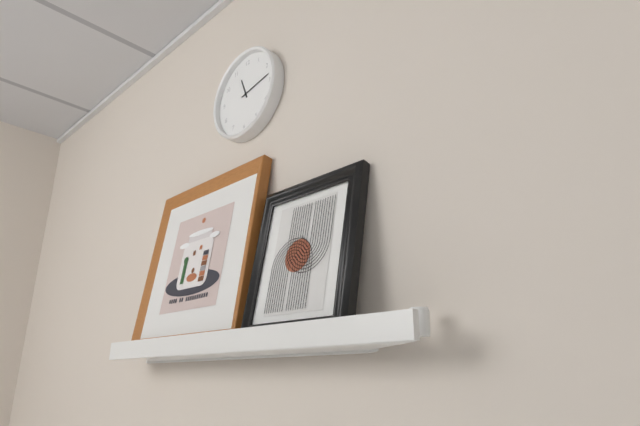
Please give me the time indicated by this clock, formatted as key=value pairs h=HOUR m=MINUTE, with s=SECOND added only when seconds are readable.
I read h=11 m=13
